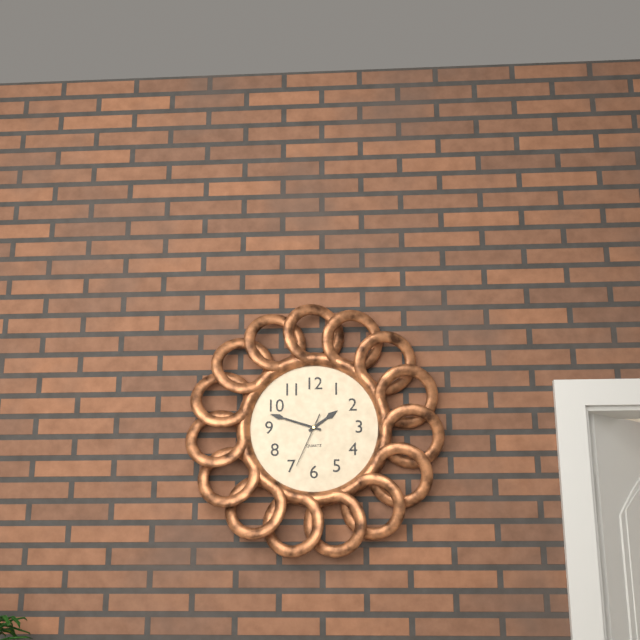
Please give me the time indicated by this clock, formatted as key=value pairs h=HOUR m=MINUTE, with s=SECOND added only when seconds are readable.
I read h=1 m=48 s=34
